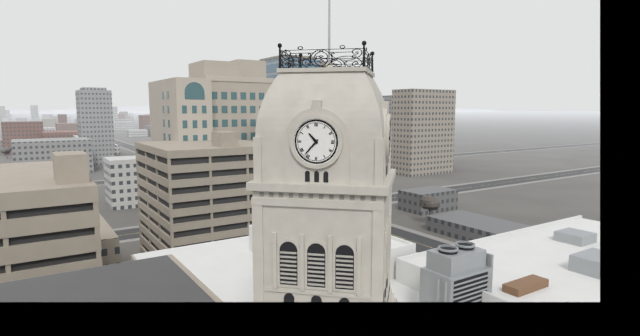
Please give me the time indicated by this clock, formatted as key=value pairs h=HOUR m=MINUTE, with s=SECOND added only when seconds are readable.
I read h=10 m=37
